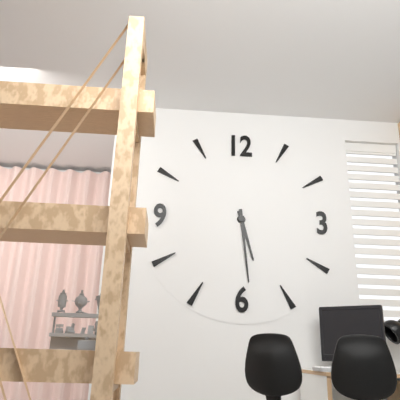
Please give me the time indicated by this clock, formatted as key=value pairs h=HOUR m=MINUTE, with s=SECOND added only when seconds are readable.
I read h=5 m=29
